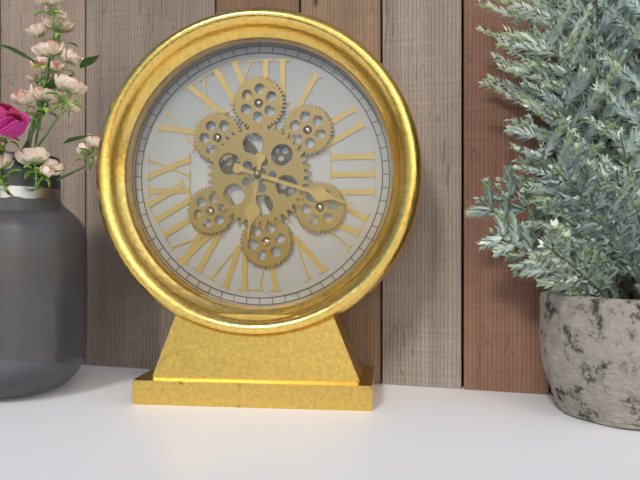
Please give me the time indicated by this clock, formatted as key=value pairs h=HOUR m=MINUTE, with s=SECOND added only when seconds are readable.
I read h=6 m=18
